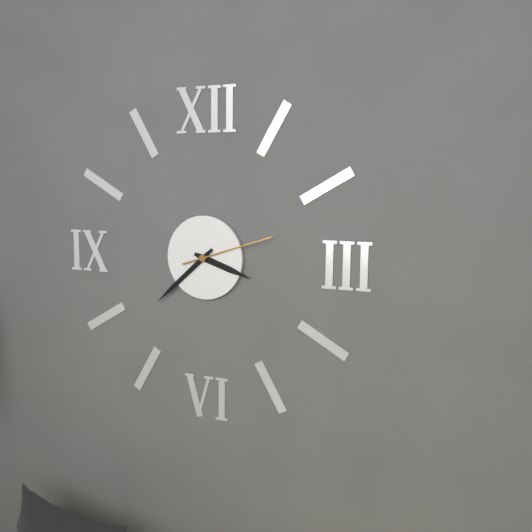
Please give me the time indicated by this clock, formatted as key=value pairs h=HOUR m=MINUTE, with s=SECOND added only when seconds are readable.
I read h=3 m=38 s=12
